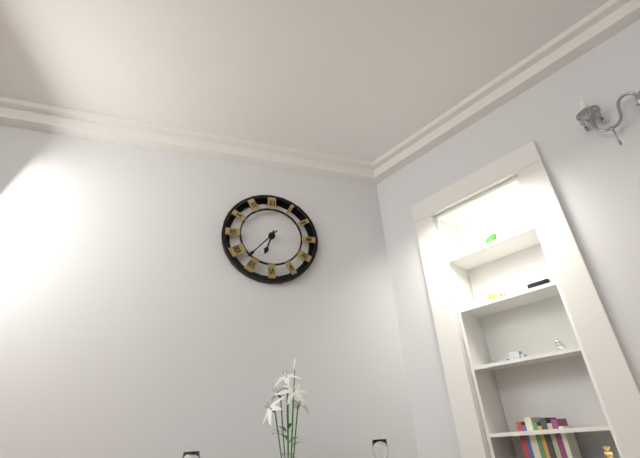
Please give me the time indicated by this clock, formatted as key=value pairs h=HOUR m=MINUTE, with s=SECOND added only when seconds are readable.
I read h=6 m=37
